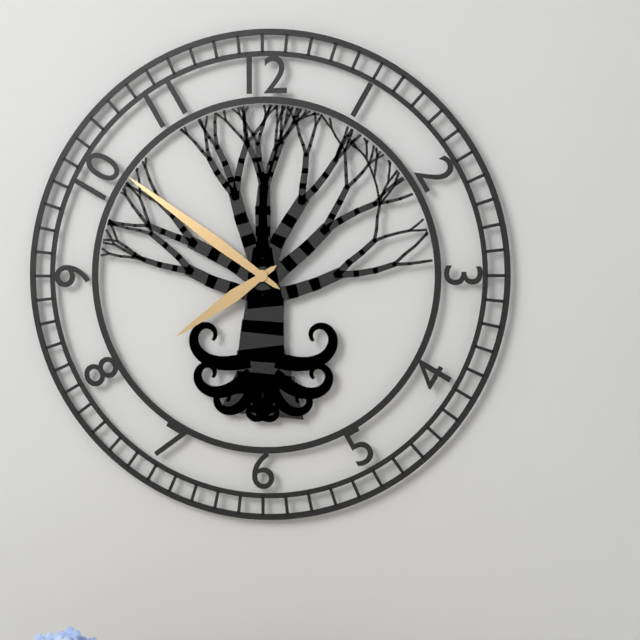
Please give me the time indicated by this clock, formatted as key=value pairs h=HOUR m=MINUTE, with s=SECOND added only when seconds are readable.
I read h=7 m=51
